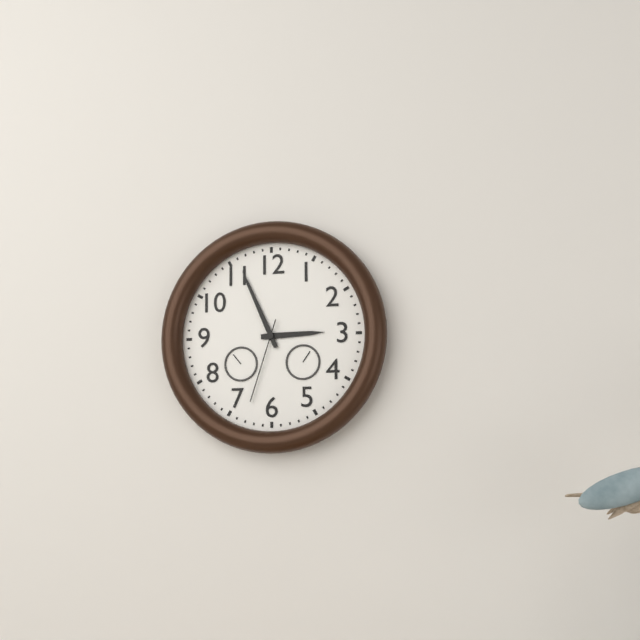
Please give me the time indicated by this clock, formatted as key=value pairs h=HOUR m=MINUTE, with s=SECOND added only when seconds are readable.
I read h=2 m=56 s=33
